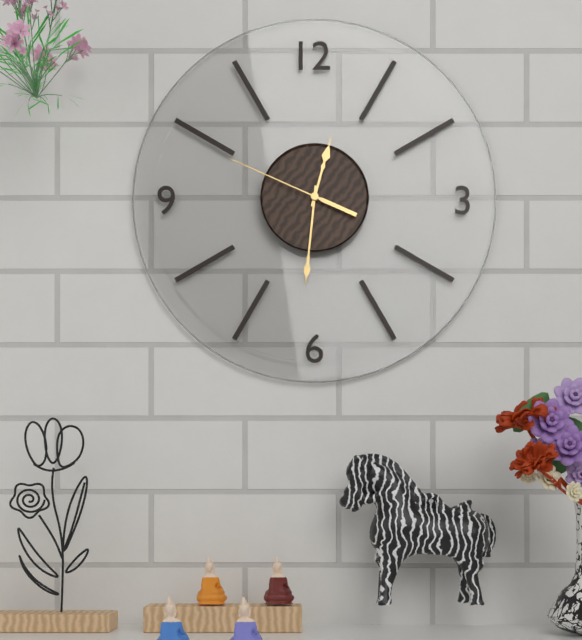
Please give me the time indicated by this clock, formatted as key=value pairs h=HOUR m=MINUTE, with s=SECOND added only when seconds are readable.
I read h=12 m=31 s=49
